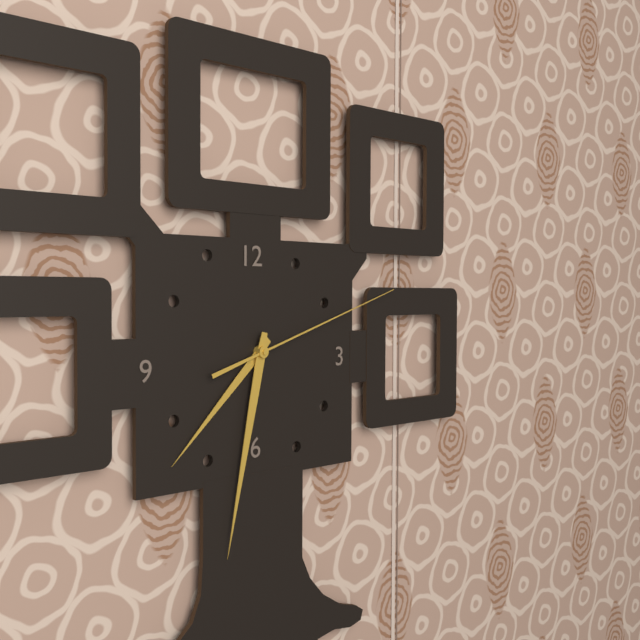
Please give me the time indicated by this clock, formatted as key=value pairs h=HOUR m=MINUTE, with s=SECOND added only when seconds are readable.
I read h=7 m=32 s=12
